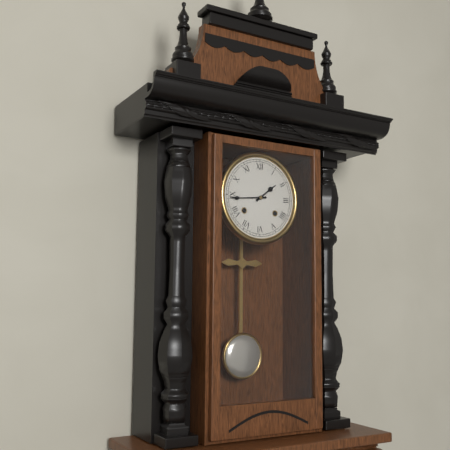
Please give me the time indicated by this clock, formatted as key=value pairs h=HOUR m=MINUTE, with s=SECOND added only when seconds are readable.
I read h=1 m=44
